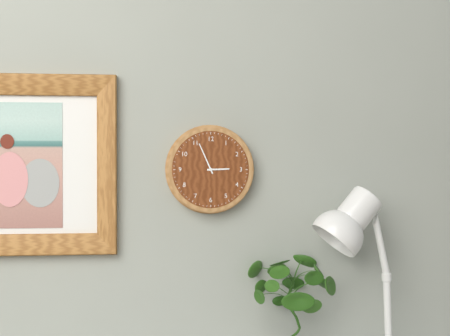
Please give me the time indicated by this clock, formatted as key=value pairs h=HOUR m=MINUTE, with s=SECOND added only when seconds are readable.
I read h=2 m=56
